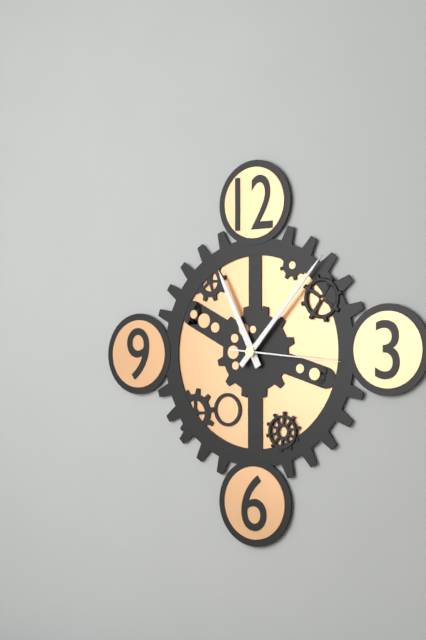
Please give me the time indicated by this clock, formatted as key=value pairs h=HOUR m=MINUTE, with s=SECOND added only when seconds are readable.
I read h=11 m=7 s=16
